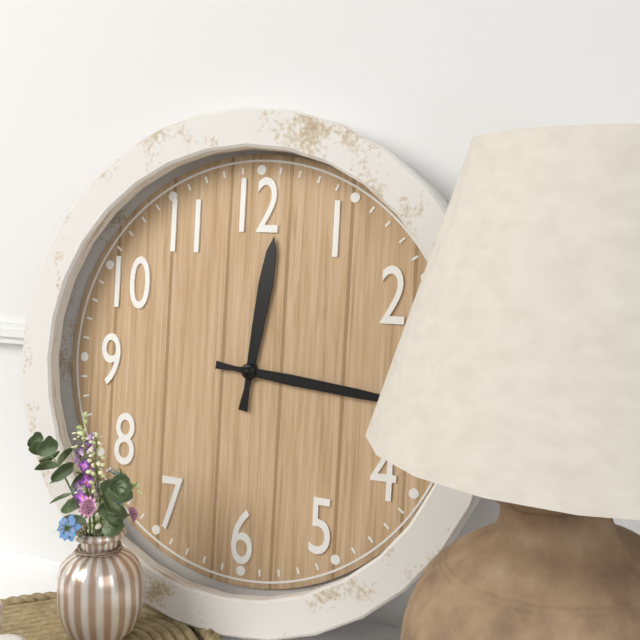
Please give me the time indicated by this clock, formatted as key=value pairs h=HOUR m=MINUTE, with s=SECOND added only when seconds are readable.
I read h=12 m=16
